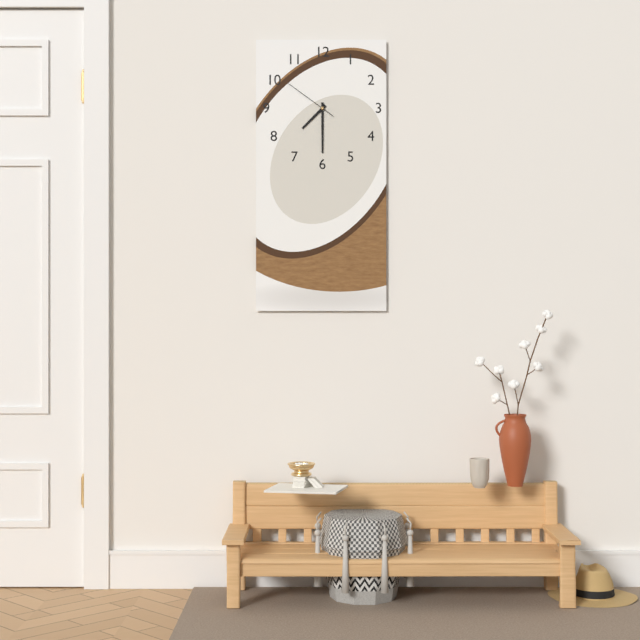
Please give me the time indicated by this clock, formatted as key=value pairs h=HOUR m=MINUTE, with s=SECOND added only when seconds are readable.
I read h=7 m=30 s=51
